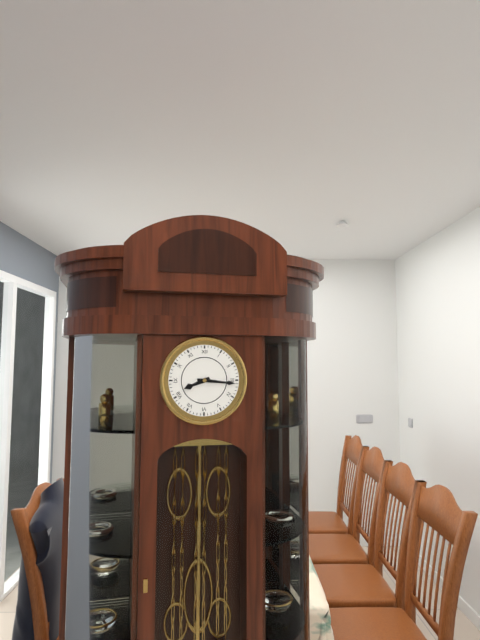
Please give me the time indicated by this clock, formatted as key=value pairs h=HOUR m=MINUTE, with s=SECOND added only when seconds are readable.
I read h=8 m=16
